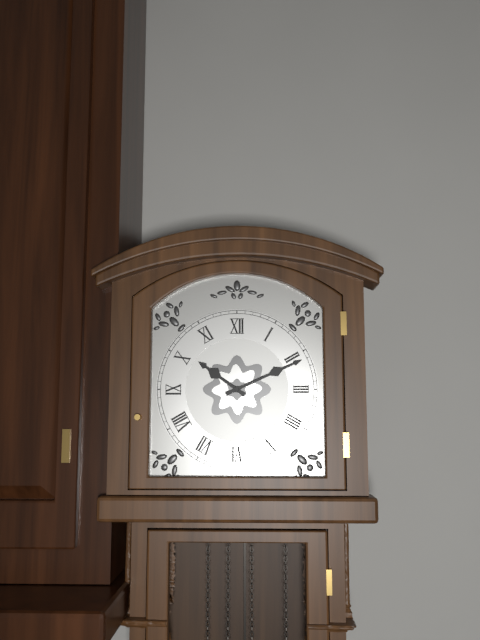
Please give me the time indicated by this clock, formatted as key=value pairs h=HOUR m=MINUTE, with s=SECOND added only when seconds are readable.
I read h=10 m=11
